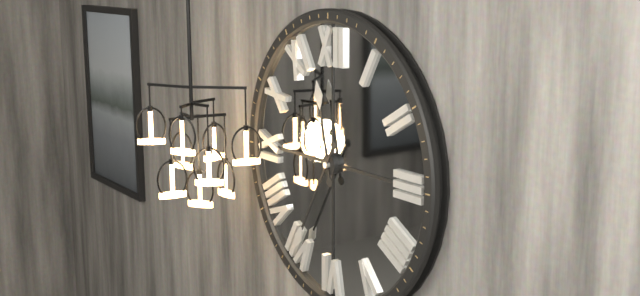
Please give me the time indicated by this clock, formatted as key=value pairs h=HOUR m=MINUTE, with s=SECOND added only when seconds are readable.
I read h=11 m=35
